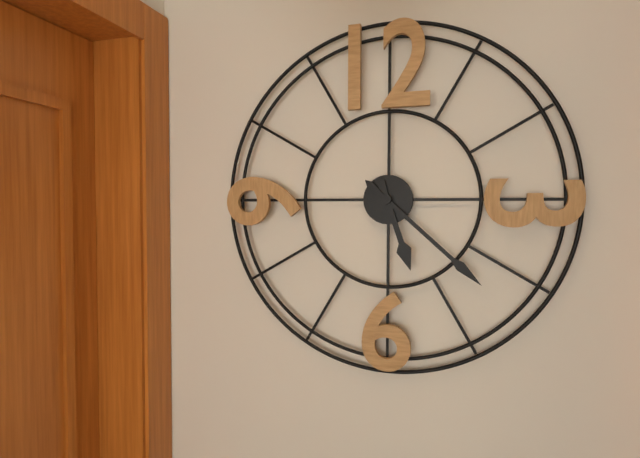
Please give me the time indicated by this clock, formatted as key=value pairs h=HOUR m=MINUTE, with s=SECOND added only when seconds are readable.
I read h=5 m=22
